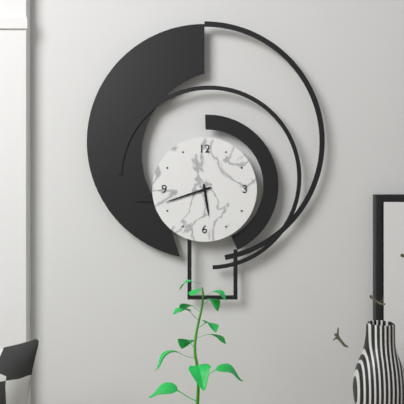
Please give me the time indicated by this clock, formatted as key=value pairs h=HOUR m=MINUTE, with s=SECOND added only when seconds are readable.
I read h=5 m=42
